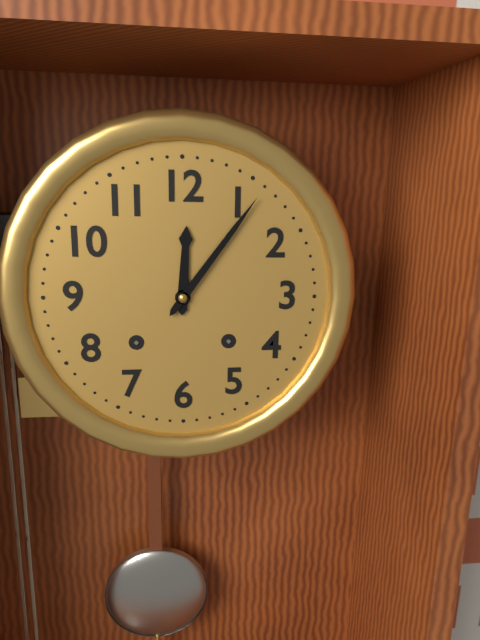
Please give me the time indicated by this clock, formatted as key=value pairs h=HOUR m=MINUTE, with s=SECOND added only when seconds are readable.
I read h=12 m=6
